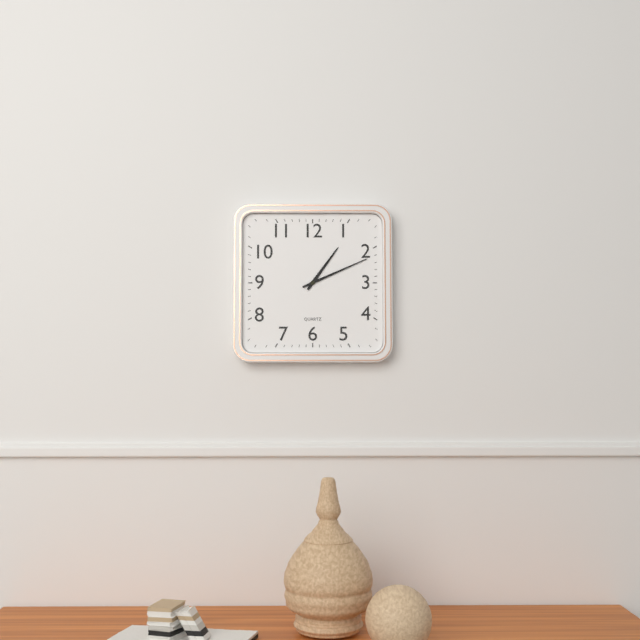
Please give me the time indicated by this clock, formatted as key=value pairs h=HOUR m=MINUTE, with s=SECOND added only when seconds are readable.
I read h=1 m=11
